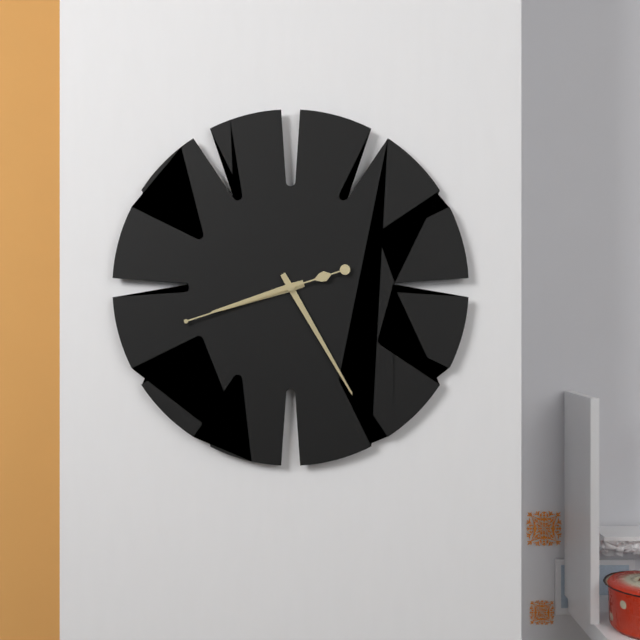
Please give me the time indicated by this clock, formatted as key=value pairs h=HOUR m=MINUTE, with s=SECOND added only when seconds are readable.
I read h=8 m=25 s=42
